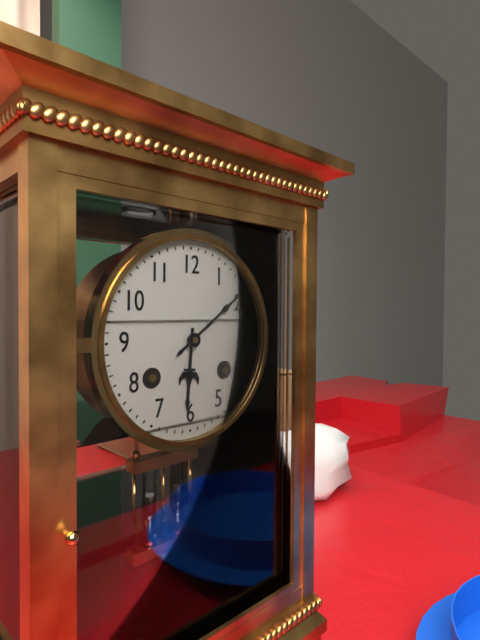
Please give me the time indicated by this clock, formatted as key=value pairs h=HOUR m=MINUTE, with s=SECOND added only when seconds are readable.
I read h=6 m=9
